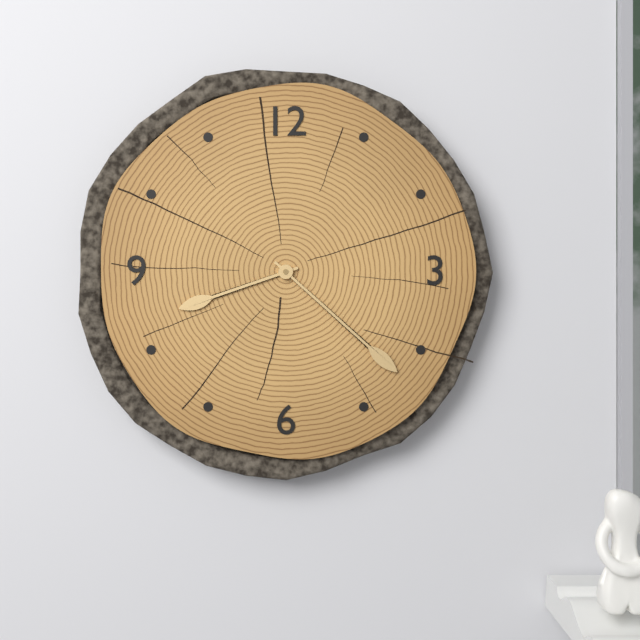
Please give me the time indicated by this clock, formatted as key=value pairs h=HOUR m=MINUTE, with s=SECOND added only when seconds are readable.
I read h=8 m=22
